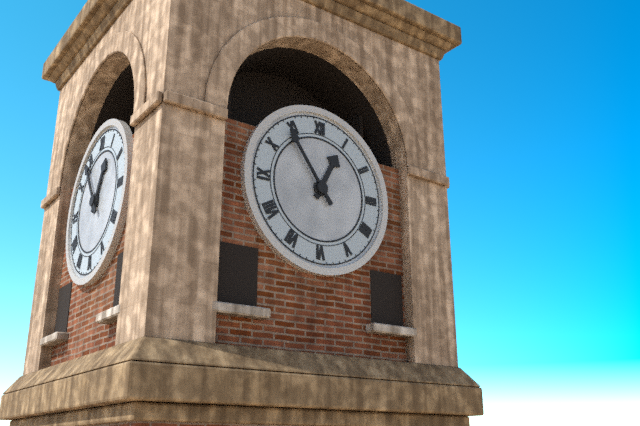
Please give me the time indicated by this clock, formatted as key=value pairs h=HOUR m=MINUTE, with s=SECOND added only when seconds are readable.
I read h=12 m=54
